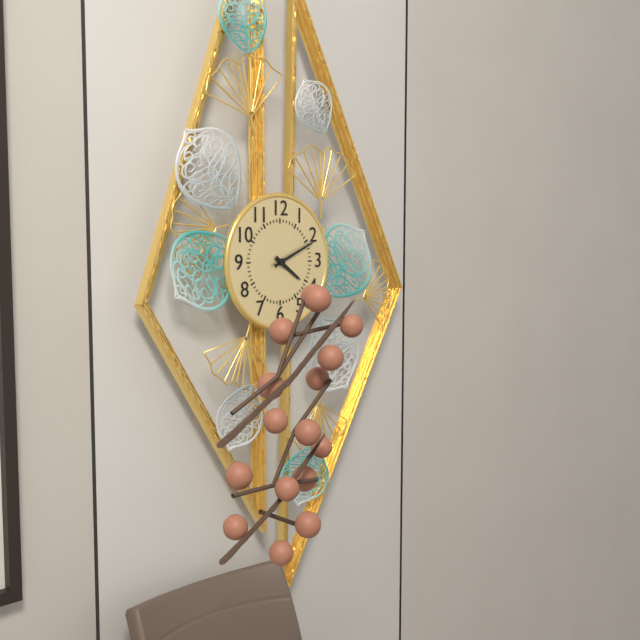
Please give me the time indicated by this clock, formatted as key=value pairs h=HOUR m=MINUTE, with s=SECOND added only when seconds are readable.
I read h=4 m=11
